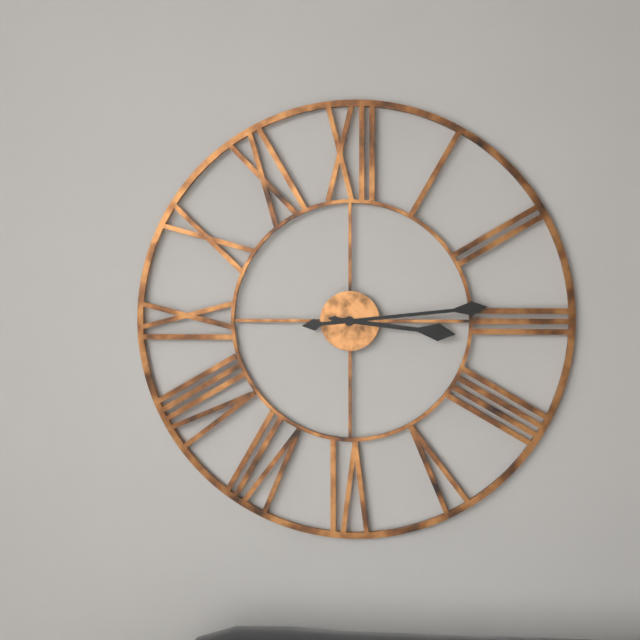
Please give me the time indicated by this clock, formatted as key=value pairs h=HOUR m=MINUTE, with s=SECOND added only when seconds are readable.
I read h=3 m=14
